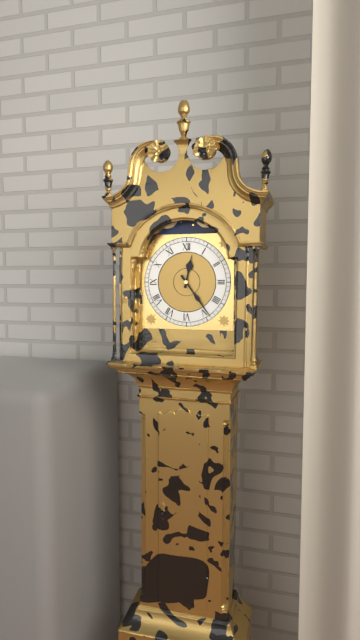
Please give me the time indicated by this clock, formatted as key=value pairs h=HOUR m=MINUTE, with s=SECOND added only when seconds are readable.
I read h=12 m=24
